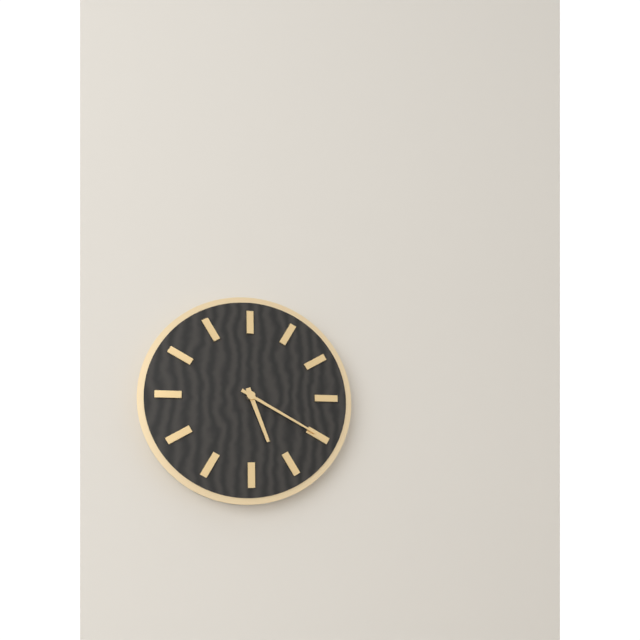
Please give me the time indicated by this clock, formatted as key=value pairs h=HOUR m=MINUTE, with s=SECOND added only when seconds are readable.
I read h=5 m=20
